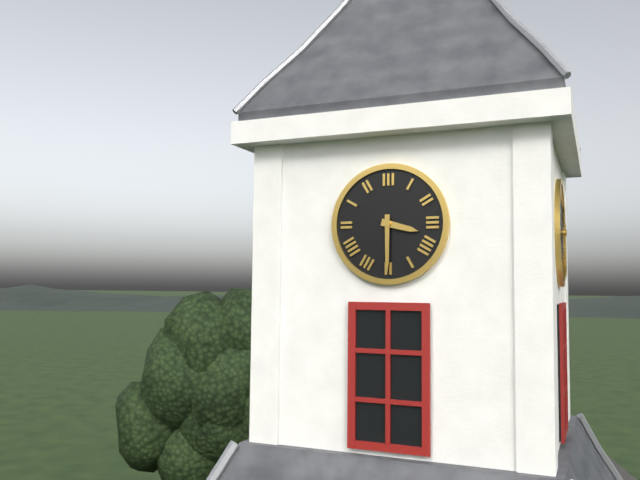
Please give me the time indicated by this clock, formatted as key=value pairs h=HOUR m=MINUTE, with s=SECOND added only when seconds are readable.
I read h=3 m=30
